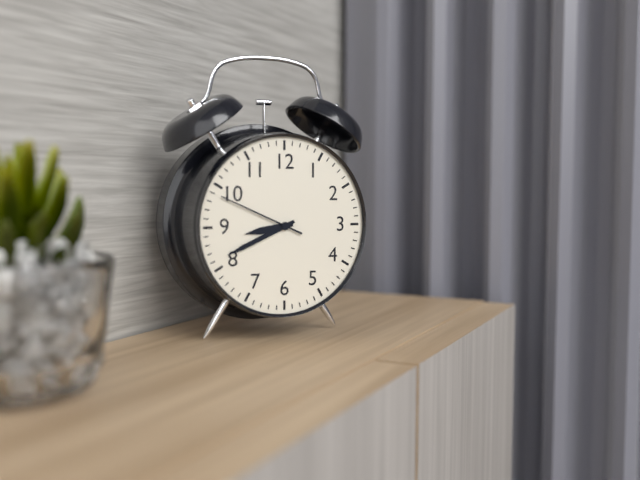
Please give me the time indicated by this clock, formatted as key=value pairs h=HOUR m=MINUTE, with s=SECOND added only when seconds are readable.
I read h=8 m=41 s=49
